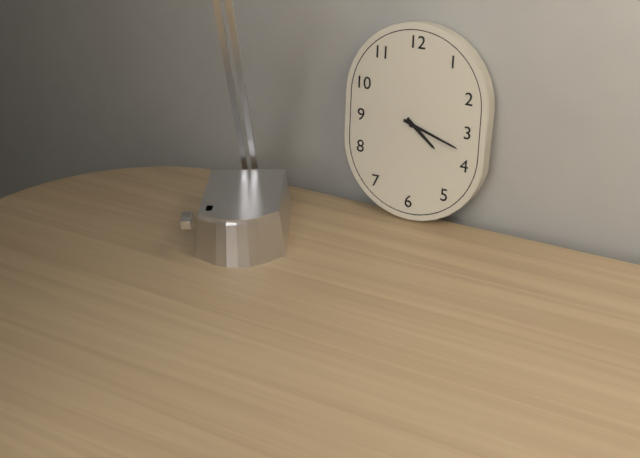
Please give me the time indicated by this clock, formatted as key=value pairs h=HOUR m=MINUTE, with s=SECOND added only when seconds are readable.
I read h=4 m=18
